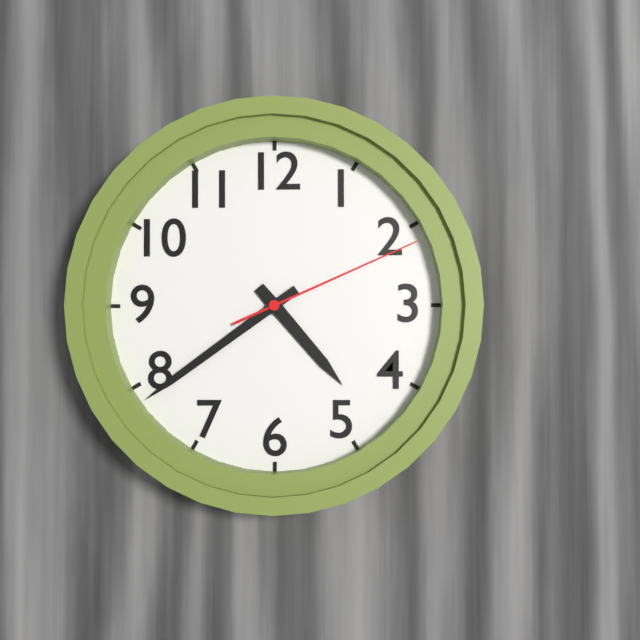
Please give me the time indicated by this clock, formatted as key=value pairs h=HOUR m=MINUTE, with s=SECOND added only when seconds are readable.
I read h=4 m=39 s=11
